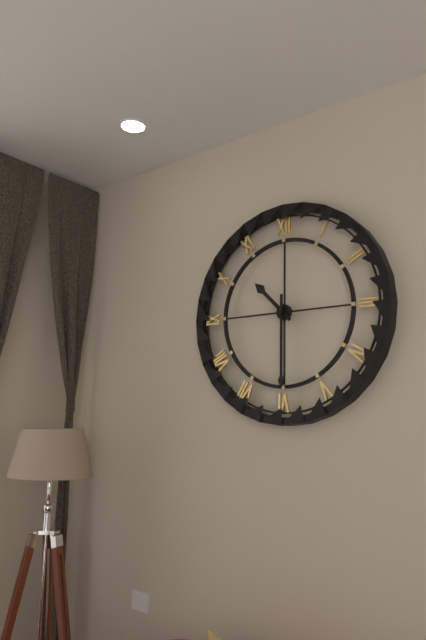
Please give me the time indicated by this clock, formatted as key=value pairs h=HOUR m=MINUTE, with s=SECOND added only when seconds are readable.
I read h=10 m=30
